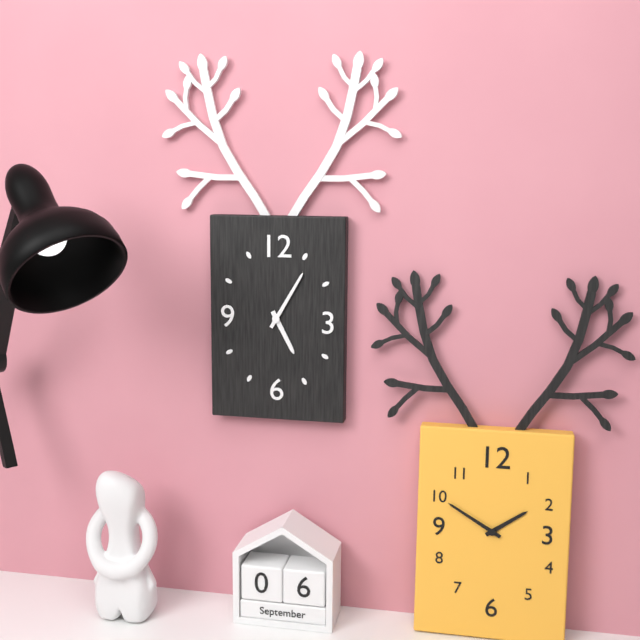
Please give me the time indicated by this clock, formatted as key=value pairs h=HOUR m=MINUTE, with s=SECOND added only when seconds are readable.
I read h=5 m=5
